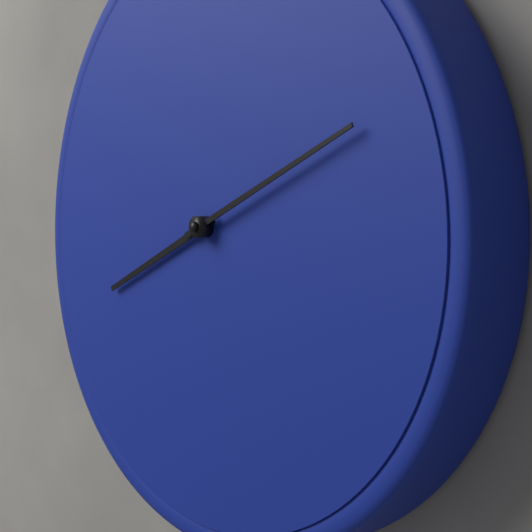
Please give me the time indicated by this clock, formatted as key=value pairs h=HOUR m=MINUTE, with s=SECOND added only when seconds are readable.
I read h=8 m=11
